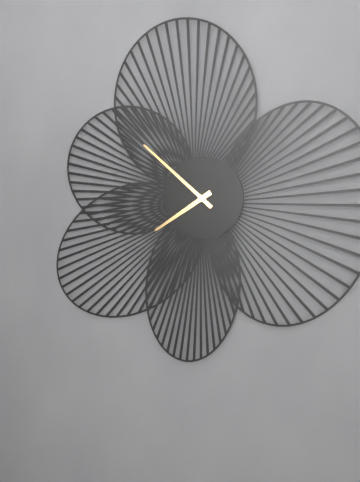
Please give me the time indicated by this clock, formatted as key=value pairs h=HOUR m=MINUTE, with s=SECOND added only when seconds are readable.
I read h=7 m=52
